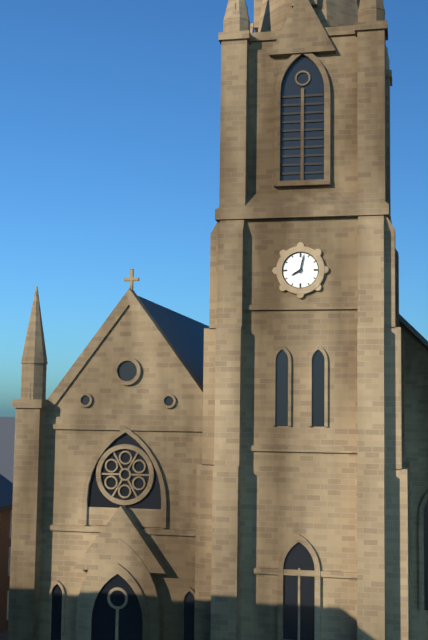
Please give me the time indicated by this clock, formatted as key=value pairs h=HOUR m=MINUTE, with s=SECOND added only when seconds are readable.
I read h=8 m=2
